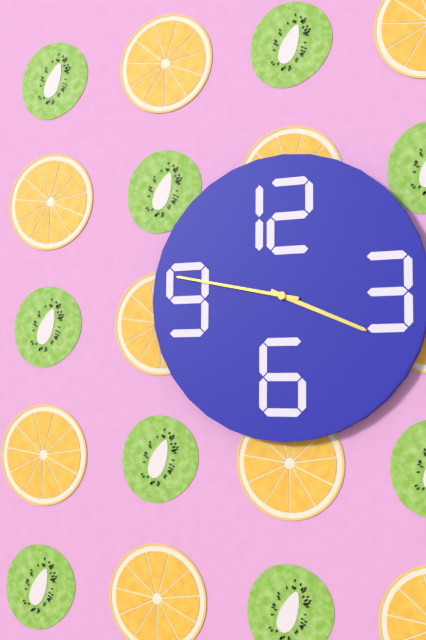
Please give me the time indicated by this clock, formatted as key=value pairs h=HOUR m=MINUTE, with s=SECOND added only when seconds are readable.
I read h=3 m=47
